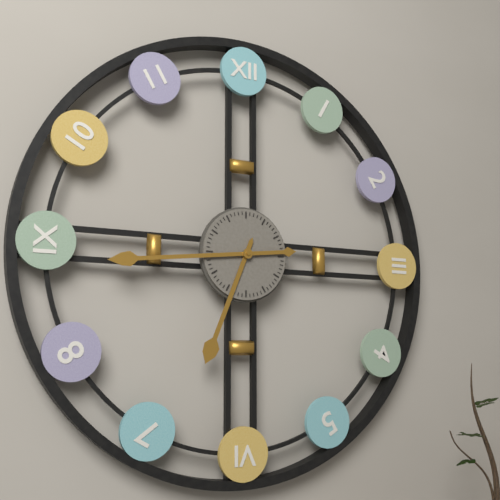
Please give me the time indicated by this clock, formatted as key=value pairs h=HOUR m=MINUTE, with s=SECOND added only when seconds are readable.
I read h=6 m=44
